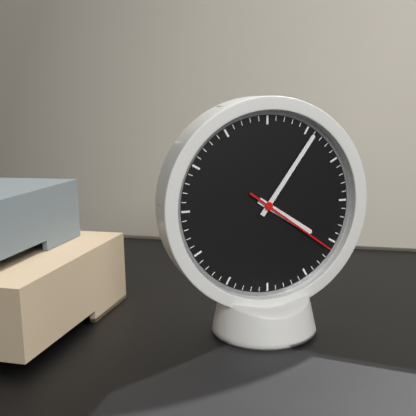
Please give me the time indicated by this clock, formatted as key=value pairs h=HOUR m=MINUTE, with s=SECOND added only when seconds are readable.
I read h=4 m=6 s=21
